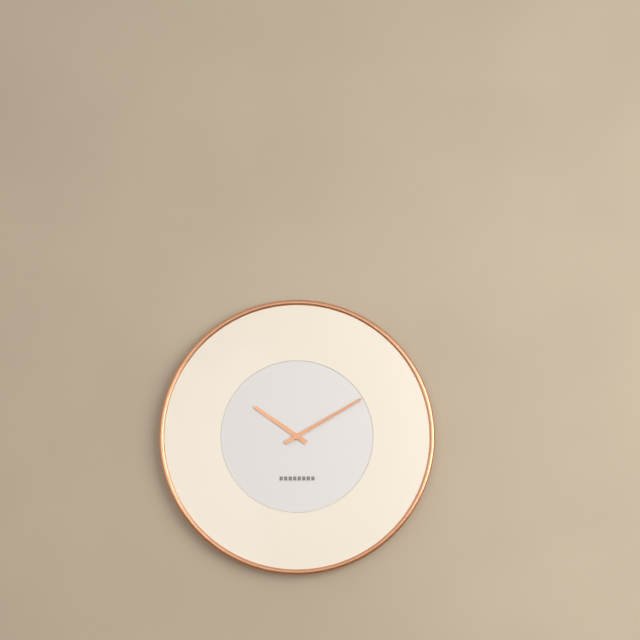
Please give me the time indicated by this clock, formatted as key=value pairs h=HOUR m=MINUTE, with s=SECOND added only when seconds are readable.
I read h=10 m=10
